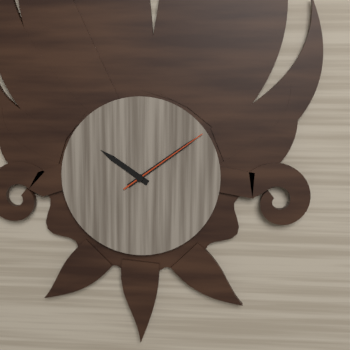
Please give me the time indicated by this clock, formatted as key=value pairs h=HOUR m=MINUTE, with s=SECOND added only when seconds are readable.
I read h=10 m=9 s=9
